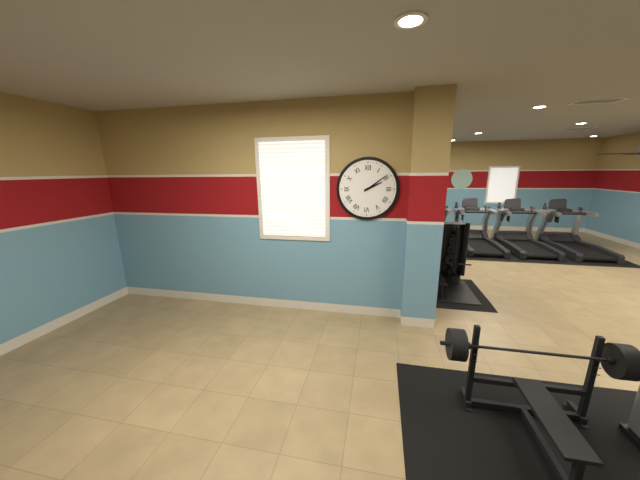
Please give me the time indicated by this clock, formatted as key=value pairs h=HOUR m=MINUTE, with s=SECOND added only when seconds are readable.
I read h=2 m=9
